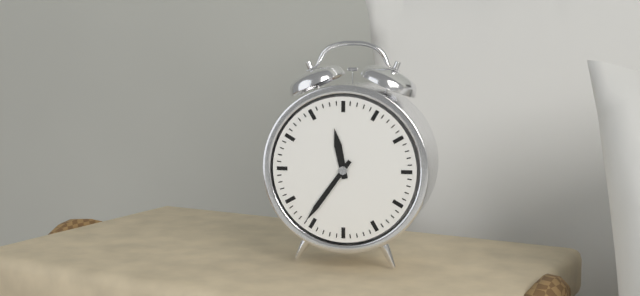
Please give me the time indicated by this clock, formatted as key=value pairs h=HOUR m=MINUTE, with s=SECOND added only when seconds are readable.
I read h=11 m=36
